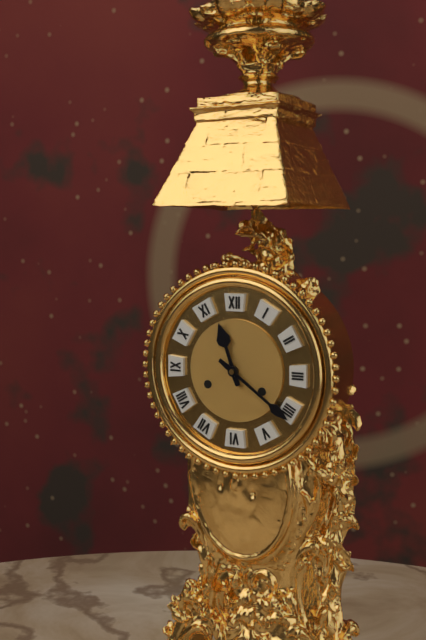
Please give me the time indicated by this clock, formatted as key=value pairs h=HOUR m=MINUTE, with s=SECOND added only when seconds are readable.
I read h=11 m=21
